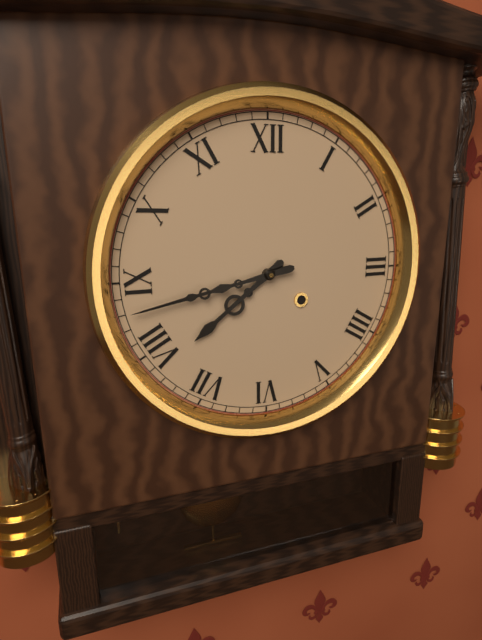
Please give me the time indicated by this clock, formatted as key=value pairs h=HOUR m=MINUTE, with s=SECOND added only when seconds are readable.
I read h=7 m=43
